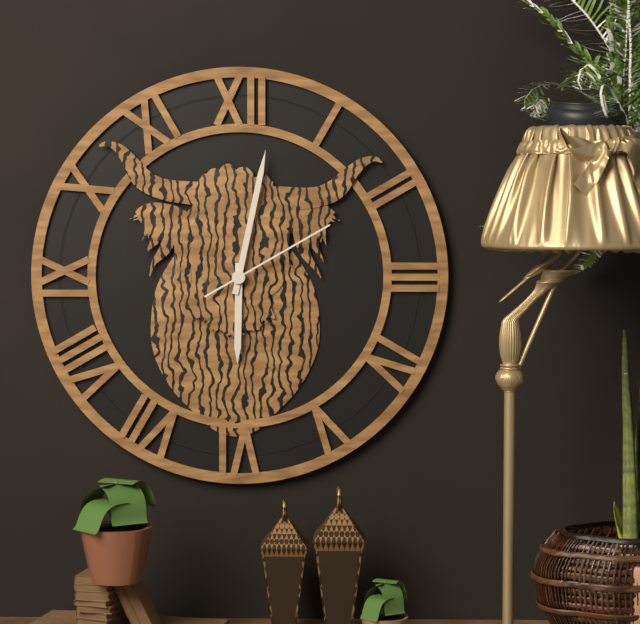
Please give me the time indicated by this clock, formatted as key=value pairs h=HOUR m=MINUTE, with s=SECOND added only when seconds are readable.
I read h=6 m=2 s=10
